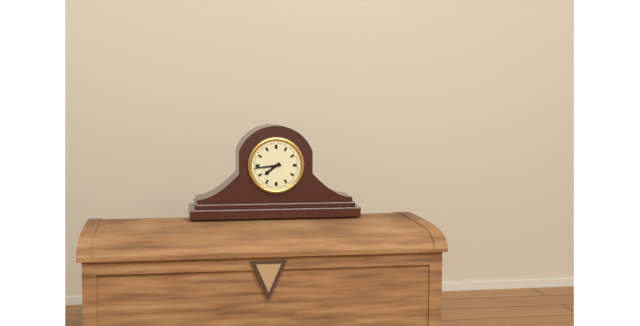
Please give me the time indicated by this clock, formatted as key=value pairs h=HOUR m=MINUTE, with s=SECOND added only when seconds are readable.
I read h=7 m=44
